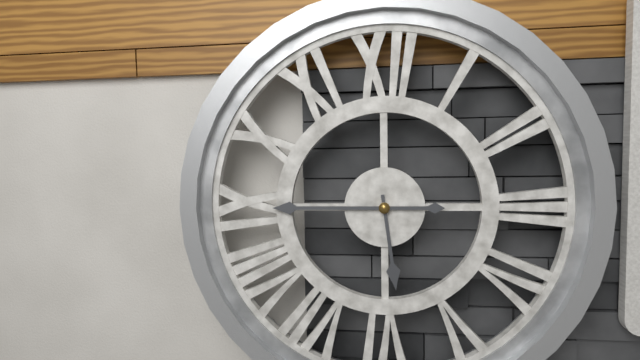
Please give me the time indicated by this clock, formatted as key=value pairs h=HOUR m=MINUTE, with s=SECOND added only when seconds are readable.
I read h=5 m=45
